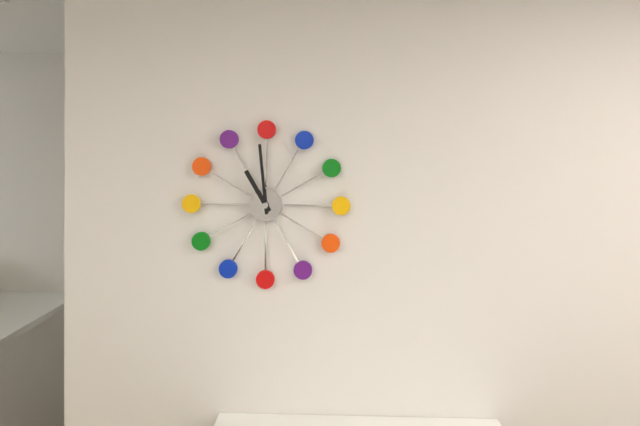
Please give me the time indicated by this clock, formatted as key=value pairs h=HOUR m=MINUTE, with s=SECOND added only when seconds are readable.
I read h=10 m=59
